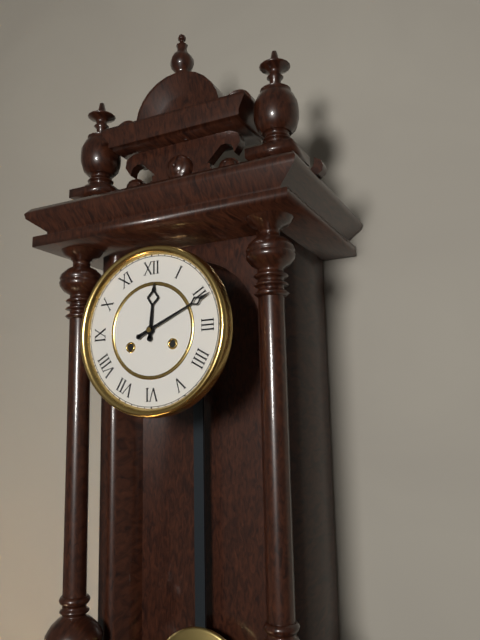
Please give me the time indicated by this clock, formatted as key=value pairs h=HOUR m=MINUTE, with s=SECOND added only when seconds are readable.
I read h=12 m=11
